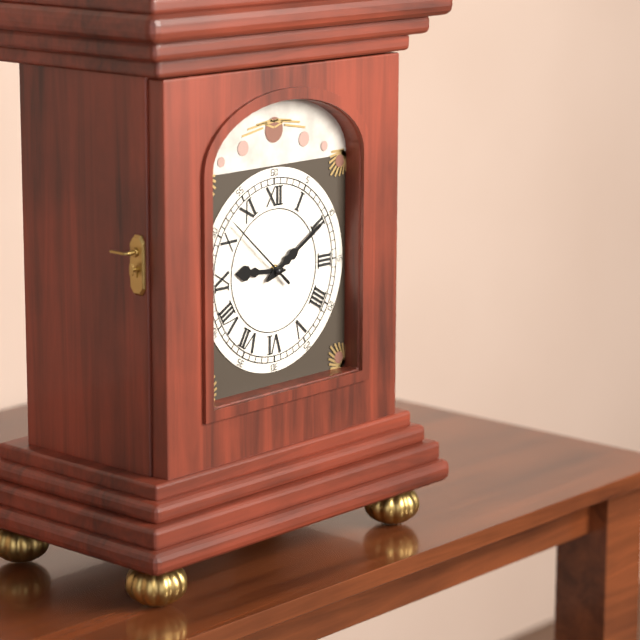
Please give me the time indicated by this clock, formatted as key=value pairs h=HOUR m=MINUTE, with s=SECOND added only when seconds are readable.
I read h=9 m=10 s=52
